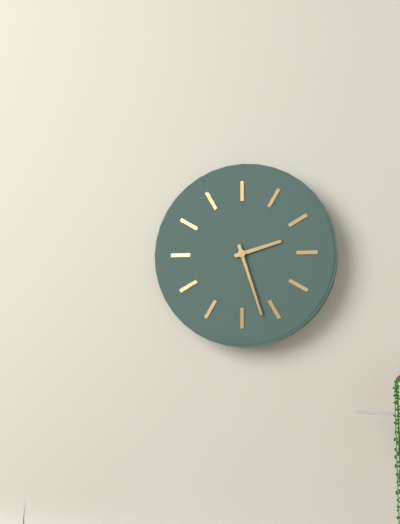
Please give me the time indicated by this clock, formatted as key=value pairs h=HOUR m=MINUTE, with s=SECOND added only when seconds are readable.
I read h=2 m=27
